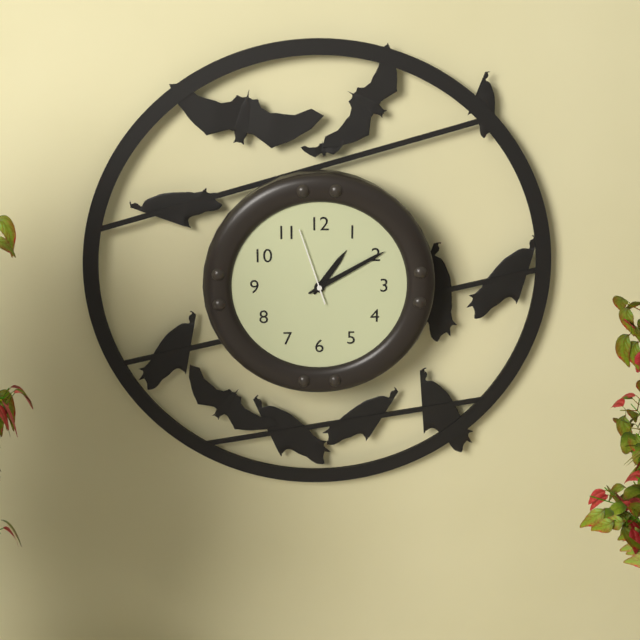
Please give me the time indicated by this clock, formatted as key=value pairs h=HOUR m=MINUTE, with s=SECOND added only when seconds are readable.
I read h=1 m=10 s=57
